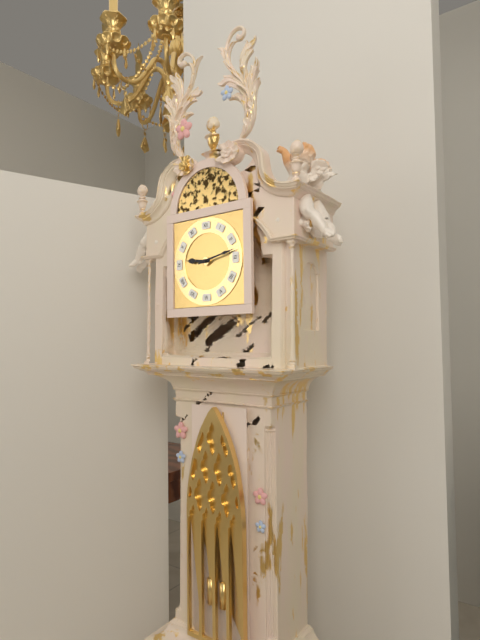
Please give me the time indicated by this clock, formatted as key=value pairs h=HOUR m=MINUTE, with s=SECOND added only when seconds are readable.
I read h=9 m=13
